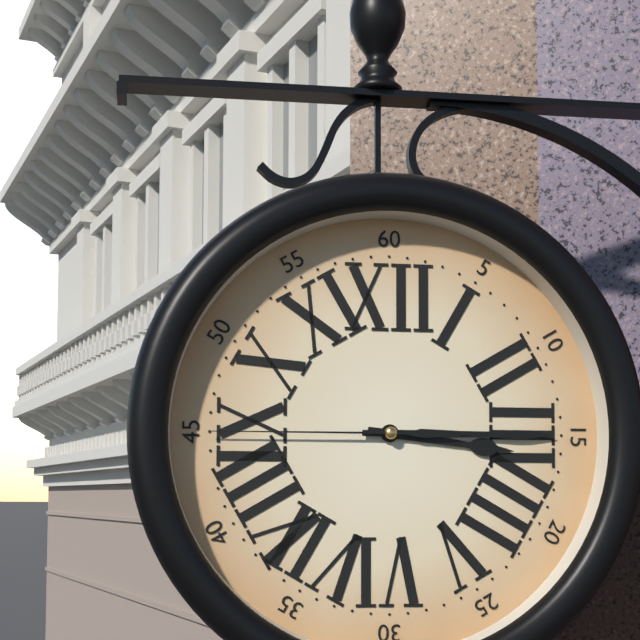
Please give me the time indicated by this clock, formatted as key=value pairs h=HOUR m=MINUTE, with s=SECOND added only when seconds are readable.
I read h=3 m=15 s=45
